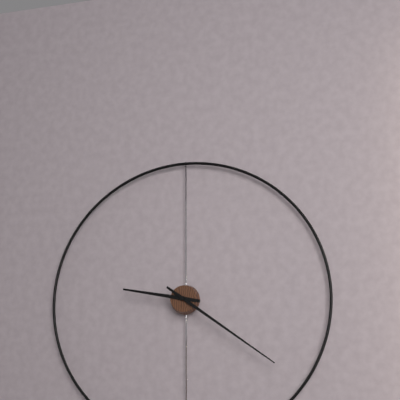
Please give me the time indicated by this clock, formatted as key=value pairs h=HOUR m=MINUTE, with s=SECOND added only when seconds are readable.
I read h=9 m=21
